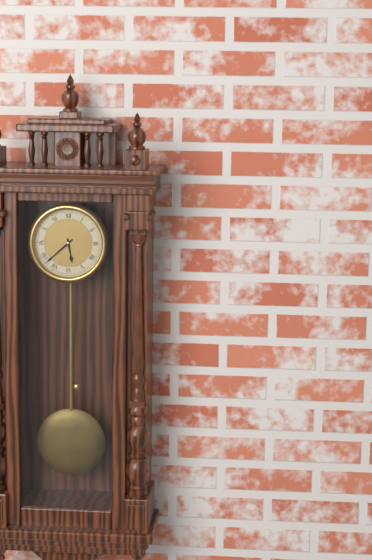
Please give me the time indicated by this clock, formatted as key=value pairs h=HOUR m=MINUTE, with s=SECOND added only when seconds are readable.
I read h=5 m=38
